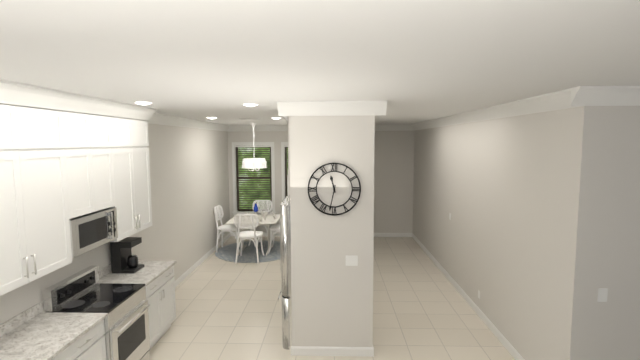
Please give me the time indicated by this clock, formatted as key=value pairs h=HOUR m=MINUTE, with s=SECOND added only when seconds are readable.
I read h=11 m=32
